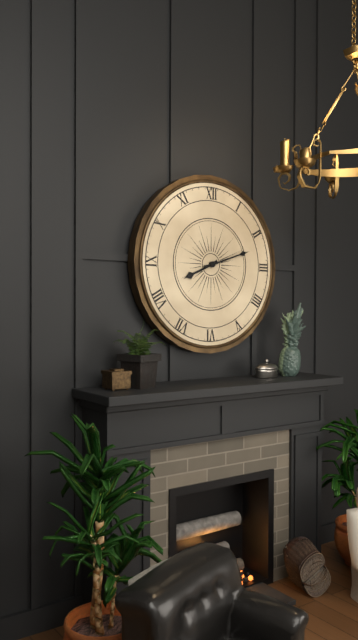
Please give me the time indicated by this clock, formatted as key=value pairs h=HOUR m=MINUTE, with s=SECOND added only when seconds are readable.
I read h=8 m=12
